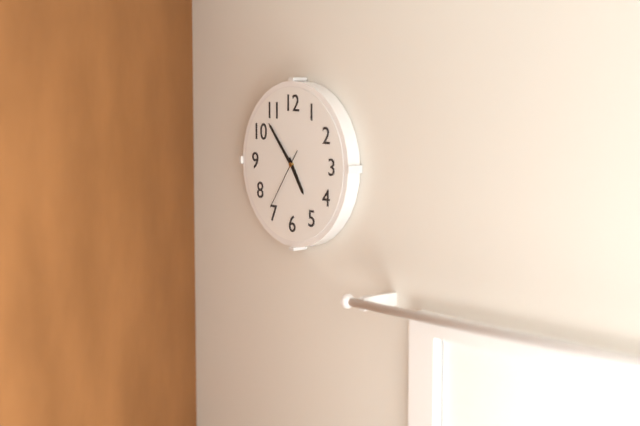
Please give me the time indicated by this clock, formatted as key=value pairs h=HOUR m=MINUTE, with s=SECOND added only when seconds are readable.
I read h=4 m=53 s=36
